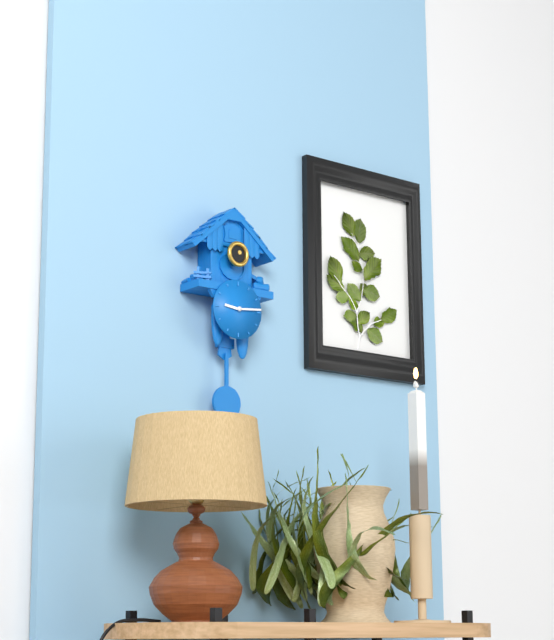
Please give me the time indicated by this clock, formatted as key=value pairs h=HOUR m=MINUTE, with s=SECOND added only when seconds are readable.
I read h=9 m=14
